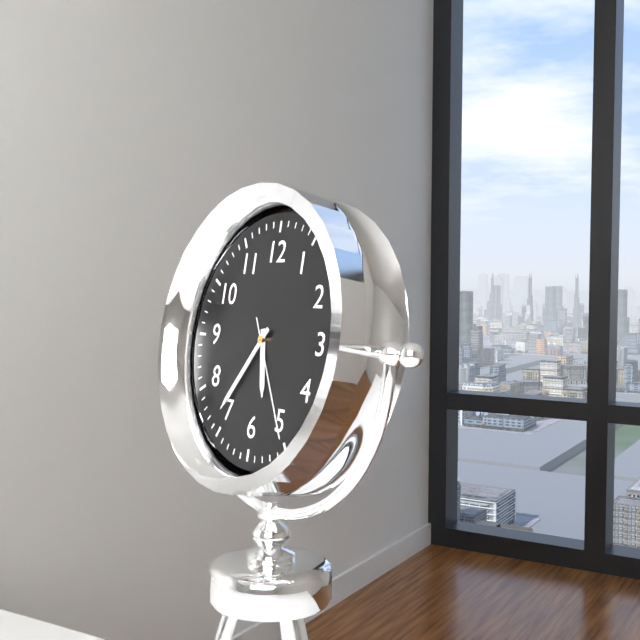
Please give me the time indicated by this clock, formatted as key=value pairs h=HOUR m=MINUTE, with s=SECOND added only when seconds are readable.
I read h=5 m=36 s=25
